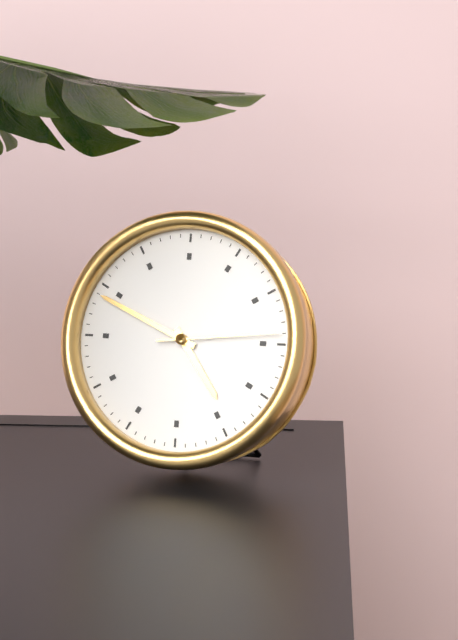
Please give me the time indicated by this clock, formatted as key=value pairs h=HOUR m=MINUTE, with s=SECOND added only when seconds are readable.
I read h=4 m=49 s=14
